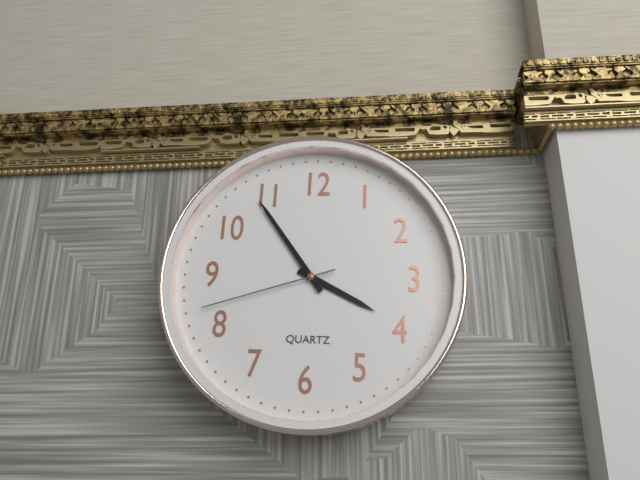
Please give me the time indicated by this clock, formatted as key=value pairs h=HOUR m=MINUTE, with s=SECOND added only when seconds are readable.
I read h=3 m=54 s=42
